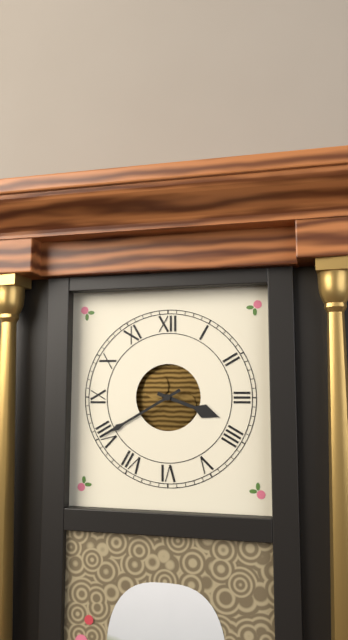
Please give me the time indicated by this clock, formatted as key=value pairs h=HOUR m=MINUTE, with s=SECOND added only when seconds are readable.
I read h=3 m=40
